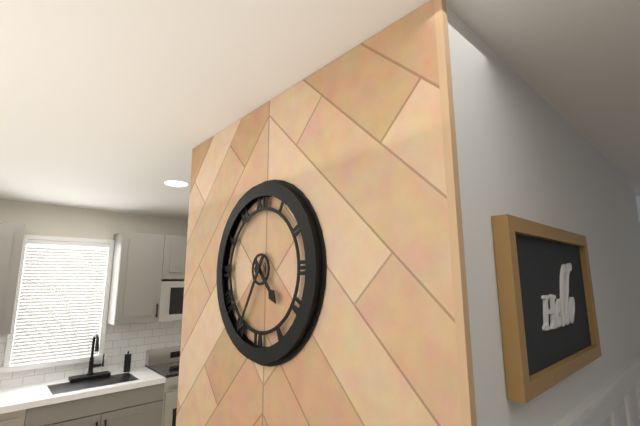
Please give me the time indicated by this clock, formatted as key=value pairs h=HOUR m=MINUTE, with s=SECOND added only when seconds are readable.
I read h=4 m=35
